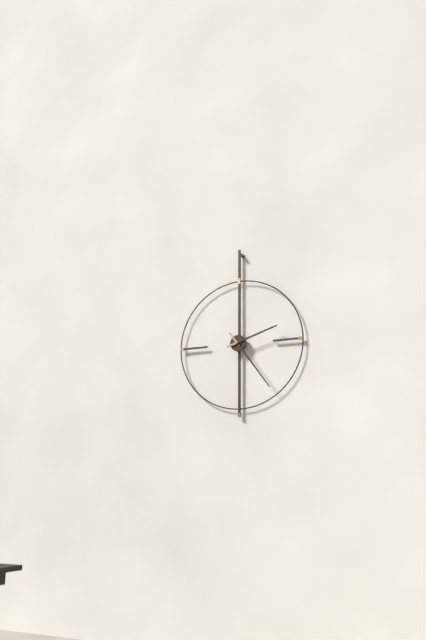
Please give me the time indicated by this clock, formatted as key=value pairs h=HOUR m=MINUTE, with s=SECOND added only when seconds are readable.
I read h=2 m=24
